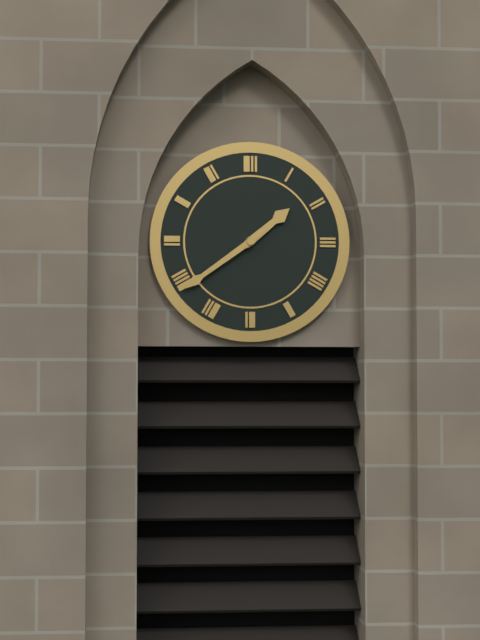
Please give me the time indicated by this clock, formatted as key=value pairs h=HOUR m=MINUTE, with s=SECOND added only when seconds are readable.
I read h=1 m=39
